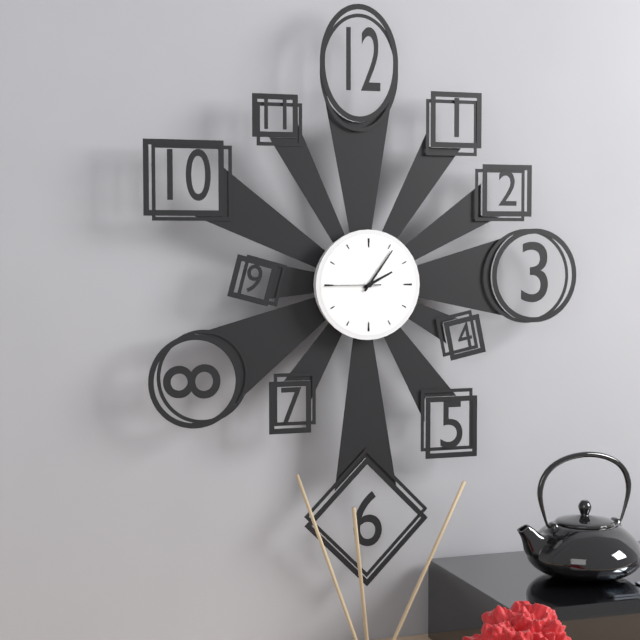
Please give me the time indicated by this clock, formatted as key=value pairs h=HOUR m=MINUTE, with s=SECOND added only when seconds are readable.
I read h=2 m=6 s=45
